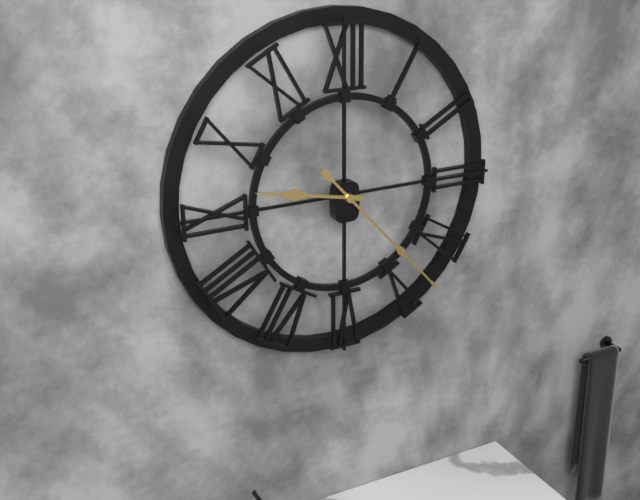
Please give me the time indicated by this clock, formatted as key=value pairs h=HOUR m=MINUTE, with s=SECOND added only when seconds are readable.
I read h=9 m=23
